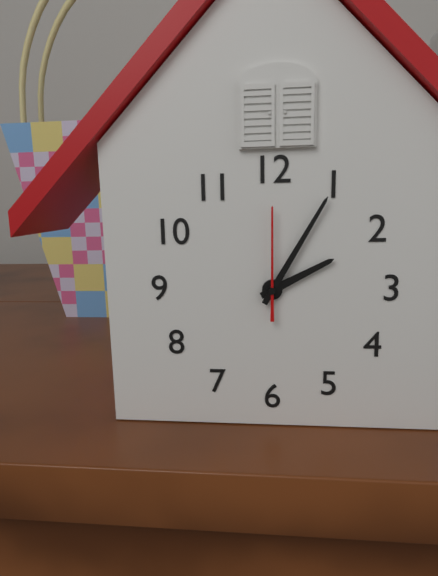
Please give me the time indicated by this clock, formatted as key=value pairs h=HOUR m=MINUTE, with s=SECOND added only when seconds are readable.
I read h=2 m=5 s=0
